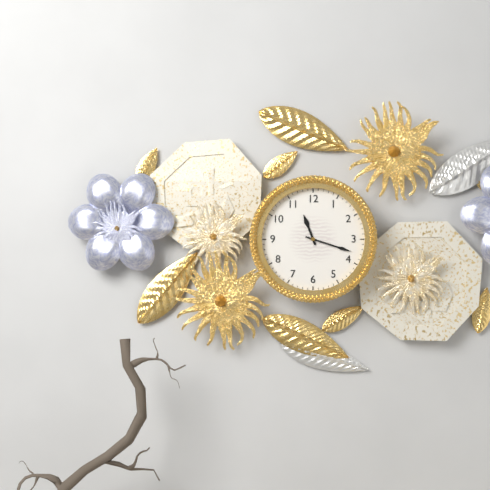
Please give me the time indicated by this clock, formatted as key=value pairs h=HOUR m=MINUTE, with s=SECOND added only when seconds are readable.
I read h=11 m=18
